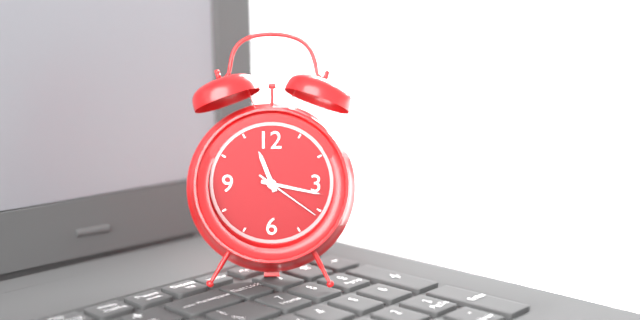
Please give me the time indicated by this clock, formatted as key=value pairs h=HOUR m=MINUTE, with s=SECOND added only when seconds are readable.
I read h=11 m=17 s=21
